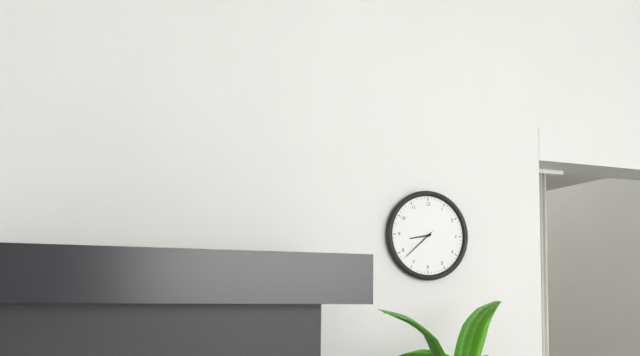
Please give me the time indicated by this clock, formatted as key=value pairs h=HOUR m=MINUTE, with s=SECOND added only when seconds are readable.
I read h=8 m=38
